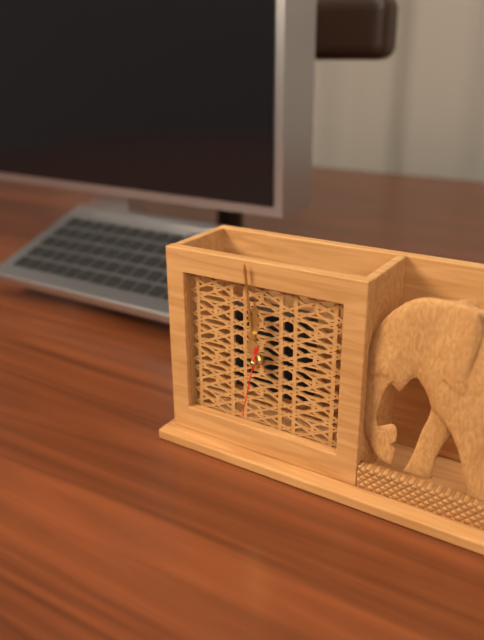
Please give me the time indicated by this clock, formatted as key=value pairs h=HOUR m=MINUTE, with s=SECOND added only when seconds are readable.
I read h=11 m=59 s=32
